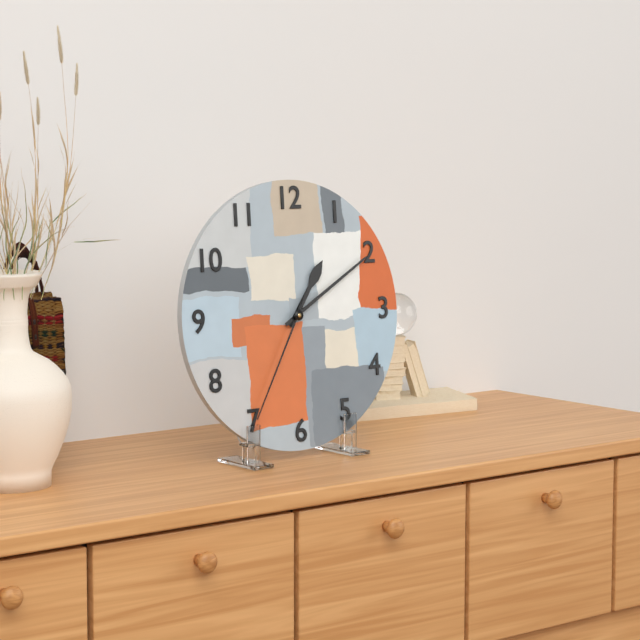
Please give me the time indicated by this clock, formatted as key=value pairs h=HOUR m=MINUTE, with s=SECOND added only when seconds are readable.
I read h=1 m=10 s=35
